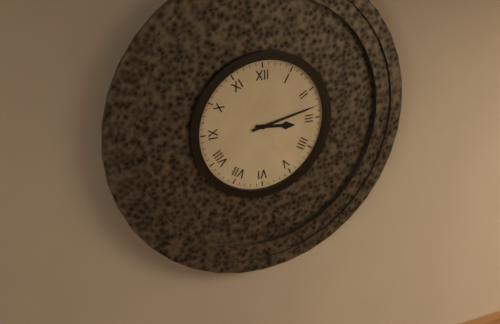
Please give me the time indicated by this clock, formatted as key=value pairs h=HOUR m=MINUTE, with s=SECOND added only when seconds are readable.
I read h=3 m=13
